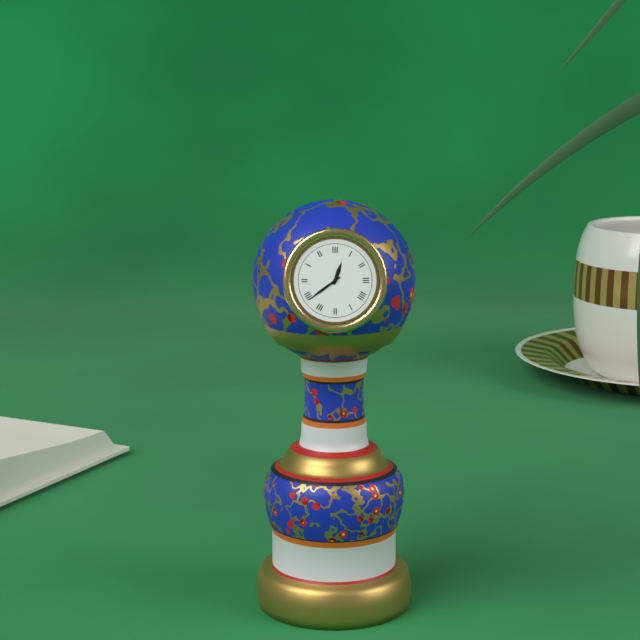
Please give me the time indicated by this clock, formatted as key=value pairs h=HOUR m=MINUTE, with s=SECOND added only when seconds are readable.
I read h=12 m=39
